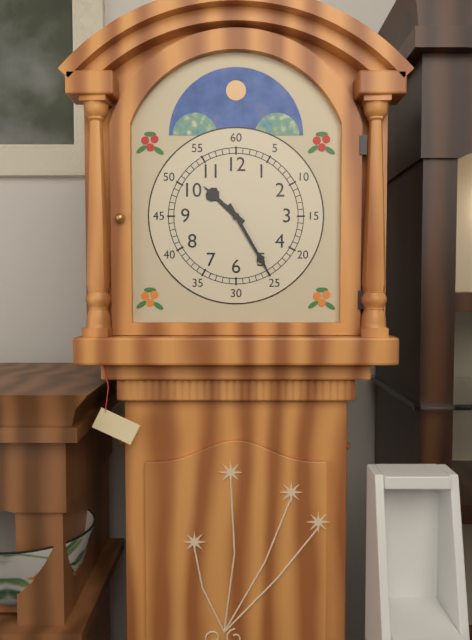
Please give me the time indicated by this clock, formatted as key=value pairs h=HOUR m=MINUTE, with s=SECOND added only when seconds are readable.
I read h=10 m=25
